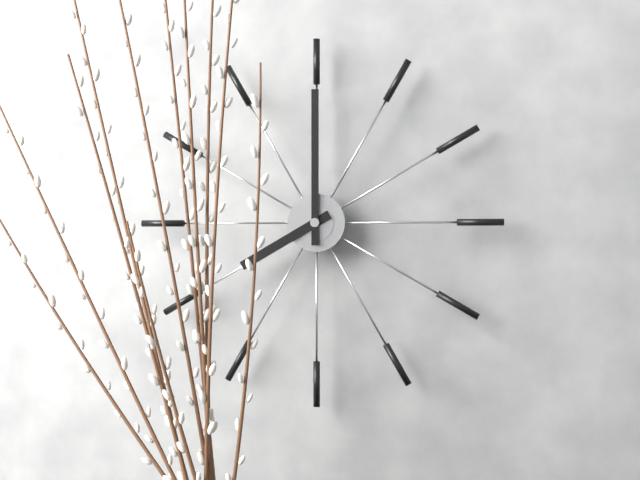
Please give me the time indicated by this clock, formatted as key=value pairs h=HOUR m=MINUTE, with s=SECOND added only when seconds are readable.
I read h=8 m=0
